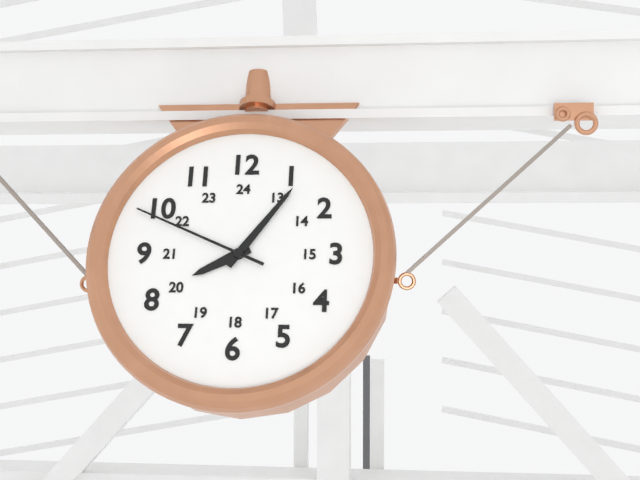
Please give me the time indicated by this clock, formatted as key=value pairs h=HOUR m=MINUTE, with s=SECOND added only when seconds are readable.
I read h=8 m=6 s=49
